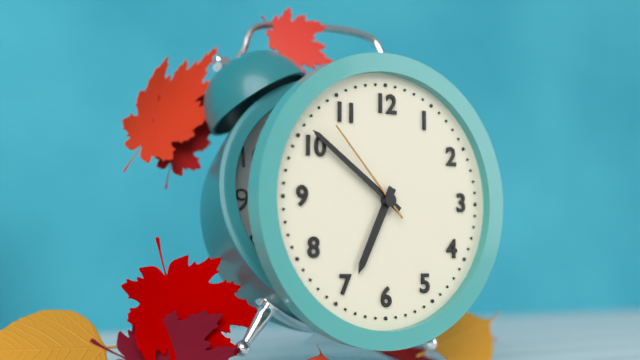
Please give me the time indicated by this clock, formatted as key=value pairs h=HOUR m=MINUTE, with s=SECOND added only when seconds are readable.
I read h=6 m=51 s=53
